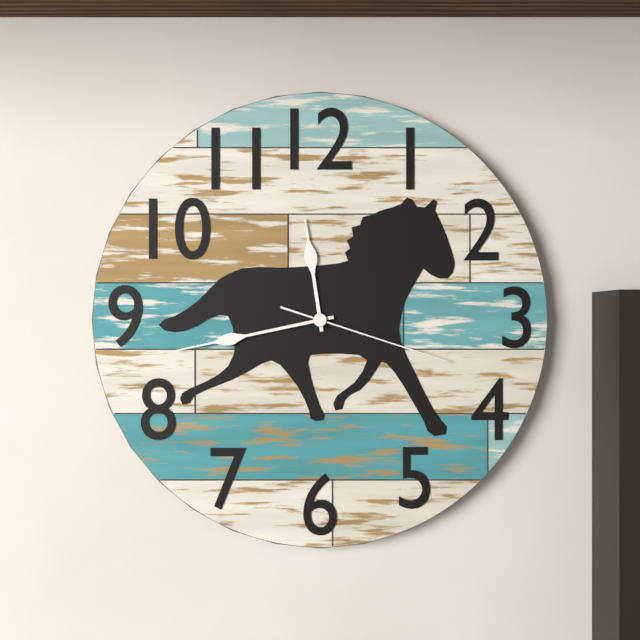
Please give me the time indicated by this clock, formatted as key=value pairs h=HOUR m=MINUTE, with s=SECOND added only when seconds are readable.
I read h=11 m=43 s=18
